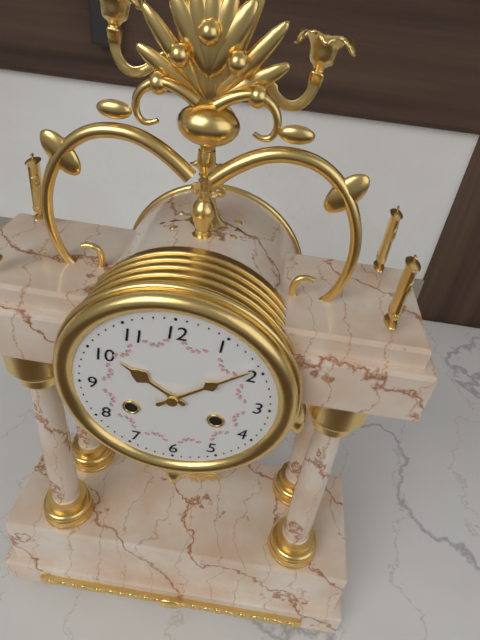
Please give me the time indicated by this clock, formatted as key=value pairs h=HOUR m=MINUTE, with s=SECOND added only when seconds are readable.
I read h=10 m=9
